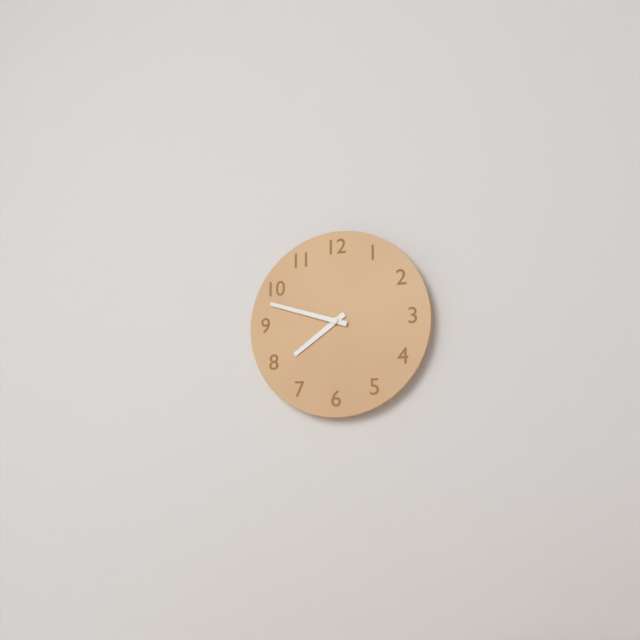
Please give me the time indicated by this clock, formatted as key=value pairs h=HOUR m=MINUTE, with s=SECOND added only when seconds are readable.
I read h=7 m=48
